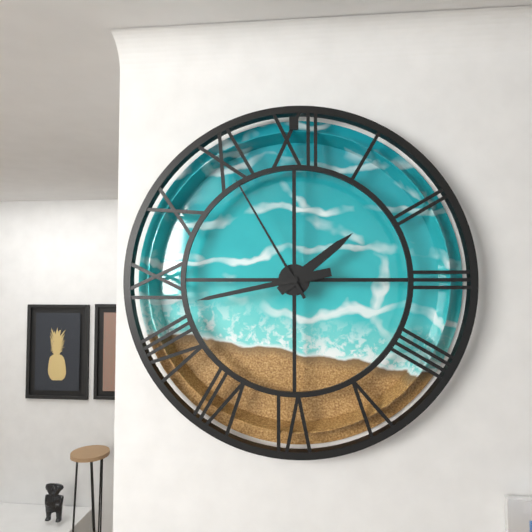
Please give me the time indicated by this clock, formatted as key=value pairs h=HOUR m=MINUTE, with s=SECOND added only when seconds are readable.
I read h=1 m=43 s=55
